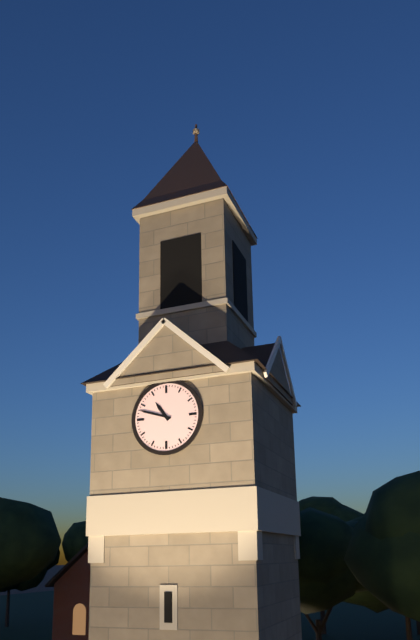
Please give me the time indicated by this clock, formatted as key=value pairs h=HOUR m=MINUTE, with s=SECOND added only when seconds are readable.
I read h=10 m=48
